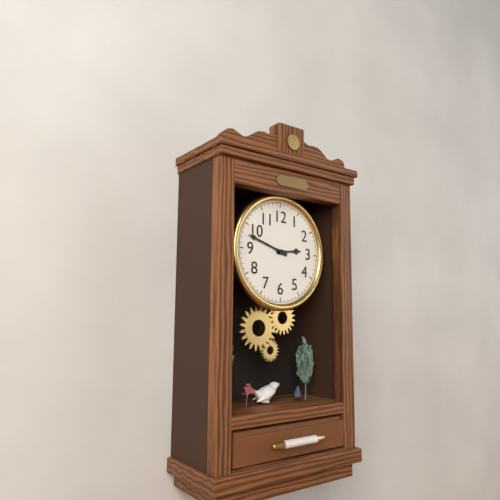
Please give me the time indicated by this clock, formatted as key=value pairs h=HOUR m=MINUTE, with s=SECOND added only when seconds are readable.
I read h=2 m=48
